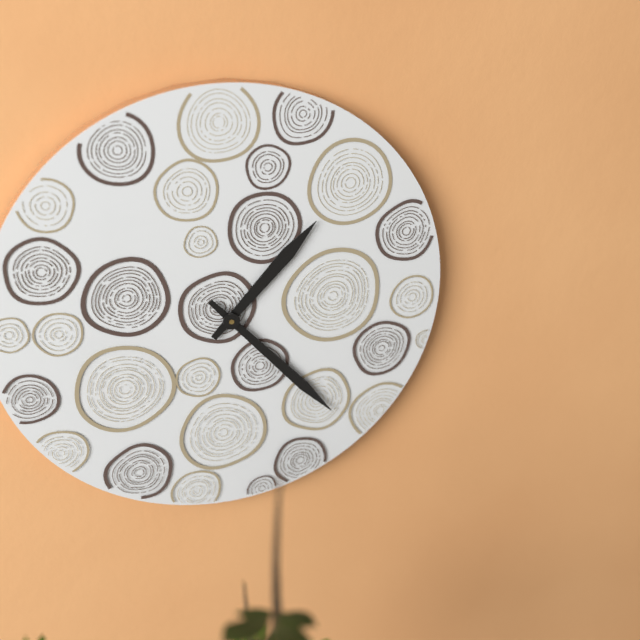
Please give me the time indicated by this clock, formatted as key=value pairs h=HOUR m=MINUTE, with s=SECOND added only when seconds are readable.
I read h=1 m=23
